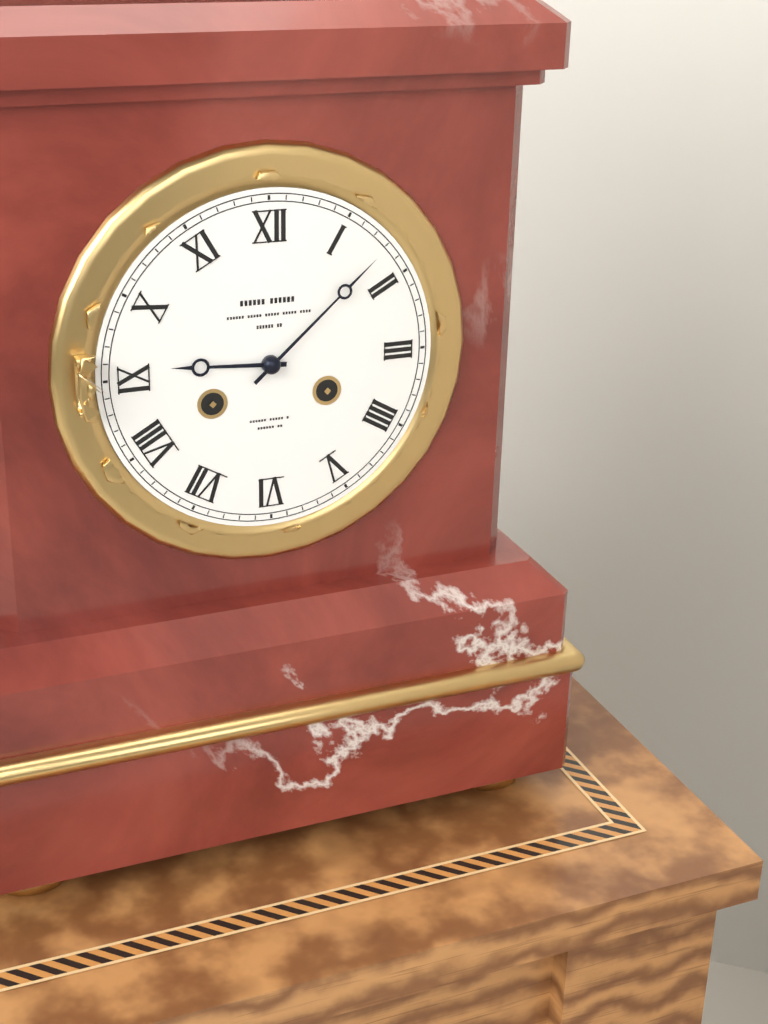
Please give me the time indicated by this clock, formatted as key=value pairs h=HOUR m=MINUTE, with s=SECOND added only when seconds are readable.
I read h=9 m=8
